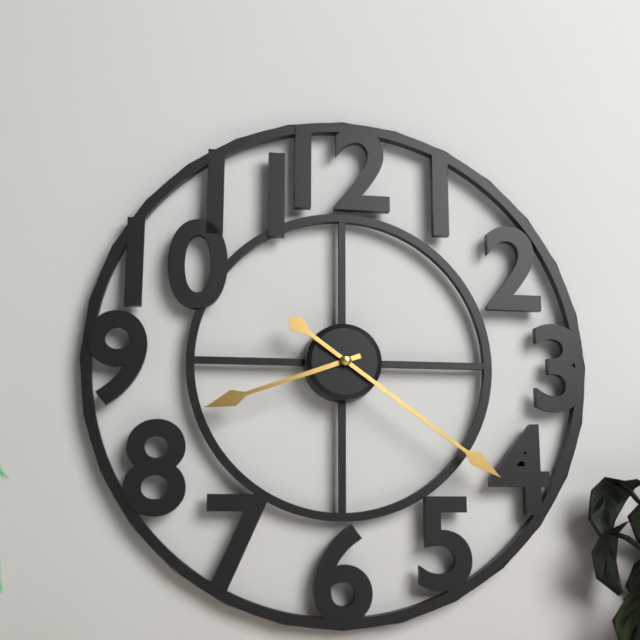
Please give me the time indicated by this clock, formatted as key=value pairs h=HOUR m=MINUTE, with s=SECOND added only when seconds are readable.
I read h=8 m=21
